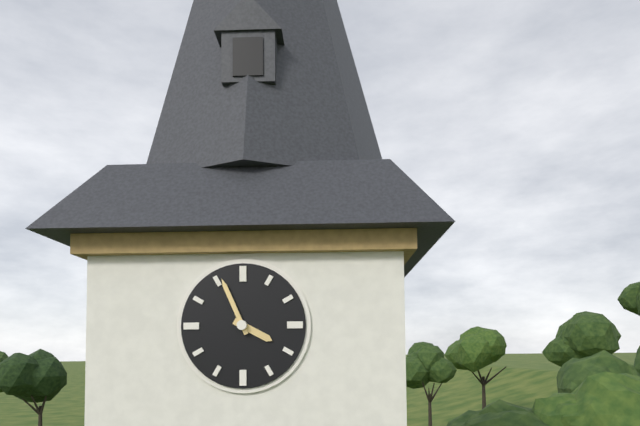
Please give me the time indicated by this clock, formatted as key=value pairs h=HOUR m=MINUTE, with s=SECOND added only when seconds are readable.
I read h=3 m=56
